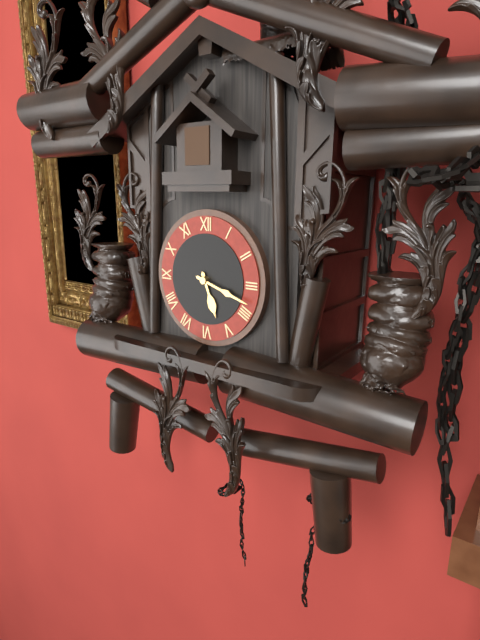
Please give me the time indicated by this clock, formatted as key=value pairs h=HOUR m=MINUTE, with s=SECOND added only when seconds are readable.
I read h=5 m=18
